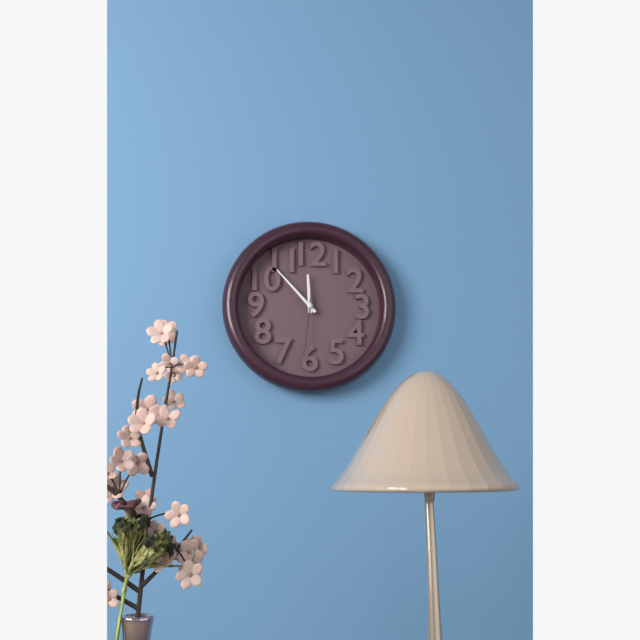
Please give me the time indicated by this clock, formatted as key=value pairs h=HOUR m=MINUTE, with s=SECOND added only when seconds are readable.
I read h=11 m=53 s=31
